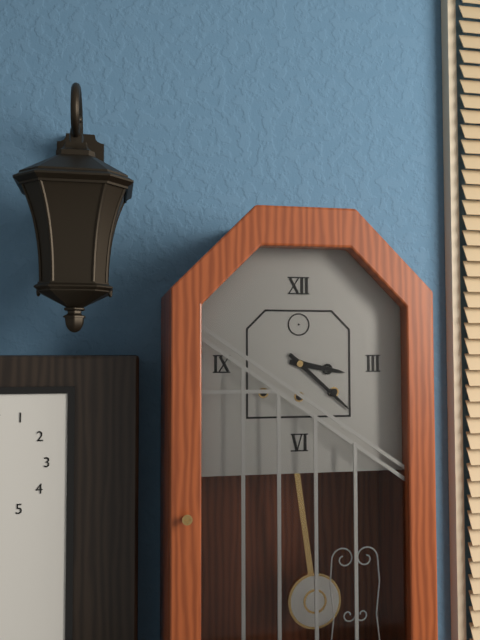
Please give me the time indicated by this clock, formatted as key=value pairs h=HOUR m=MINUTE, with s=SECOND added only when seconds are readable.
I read h=3 m=22
